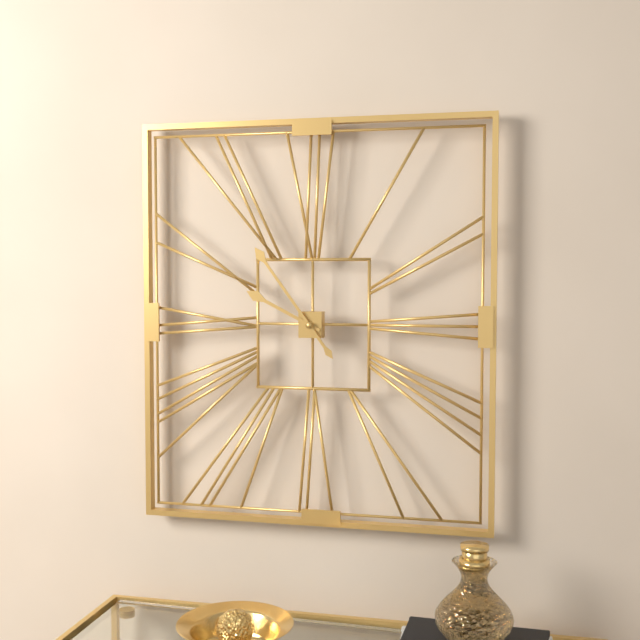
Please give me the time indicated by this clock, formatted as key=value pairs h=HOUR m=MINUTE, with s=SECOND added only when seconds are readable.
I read h=9 m=54
